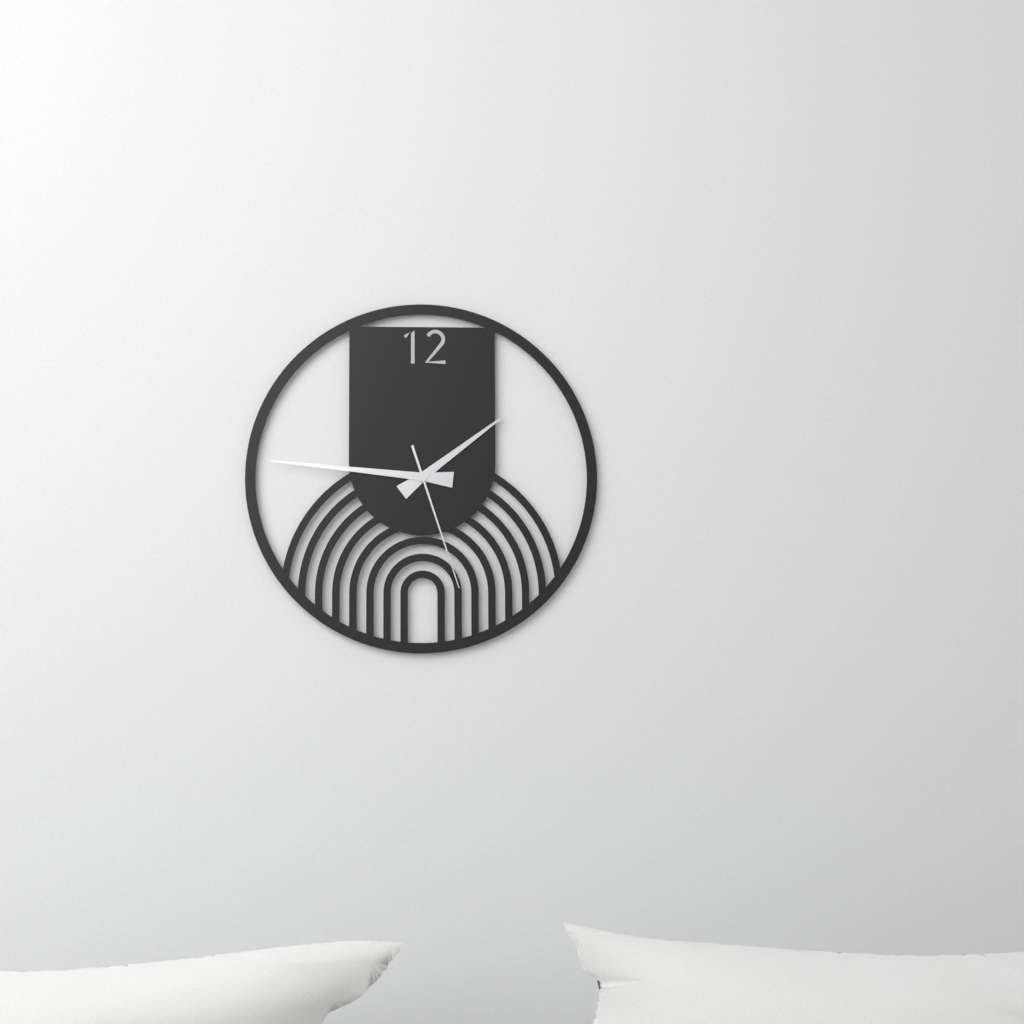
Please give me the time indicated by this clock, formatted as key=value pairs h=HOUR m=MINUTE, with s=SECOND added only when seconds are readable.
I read h=1 m=46 s=27
